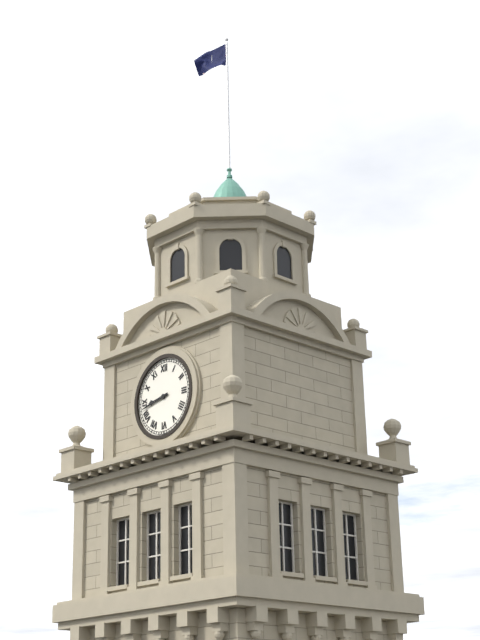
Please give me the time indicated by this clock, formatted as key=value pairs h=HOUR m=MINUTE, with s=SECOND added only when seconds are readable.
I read h=8 m=43
